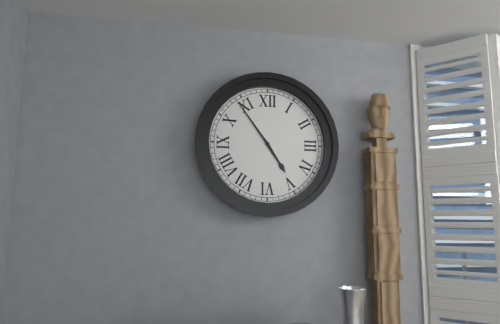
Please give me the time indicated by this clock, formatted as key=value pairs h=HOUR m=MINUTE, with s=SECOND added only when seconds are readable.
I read h=4 m=54
